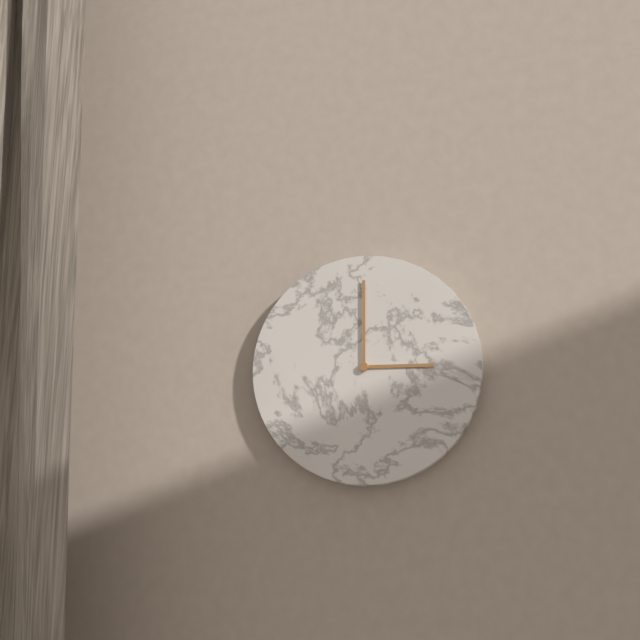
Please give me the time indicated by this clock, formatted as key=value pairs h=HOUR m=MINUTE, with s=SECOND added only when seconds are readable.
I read h=3 m=0
